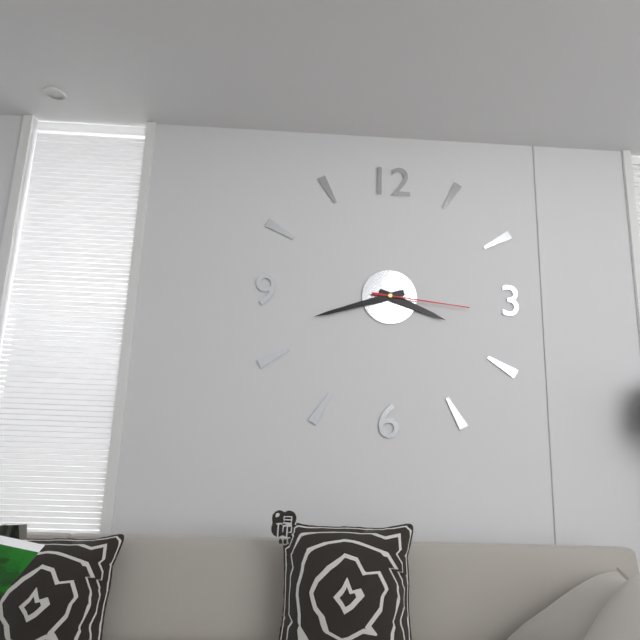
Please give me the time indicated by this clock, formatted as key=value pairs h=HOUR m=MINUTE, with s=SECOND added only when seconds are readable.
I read h=3 m=42 s=16
